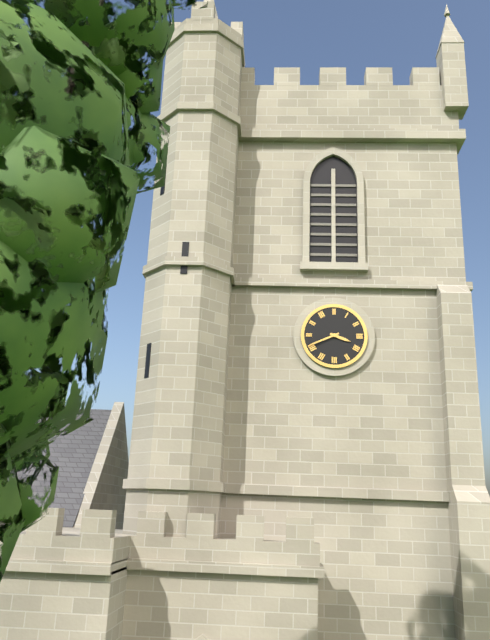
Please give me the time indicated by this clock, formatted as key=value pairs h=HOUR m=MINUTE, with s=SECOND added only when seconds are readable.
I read h=3 m=41
